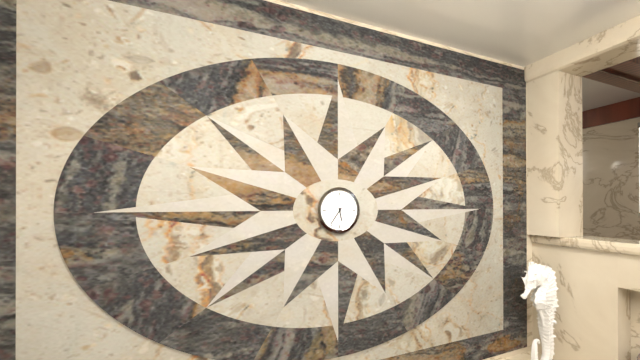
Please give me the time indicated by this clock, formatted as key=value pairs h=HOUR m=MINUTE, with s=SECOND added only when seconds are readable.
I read h=5 m=36
